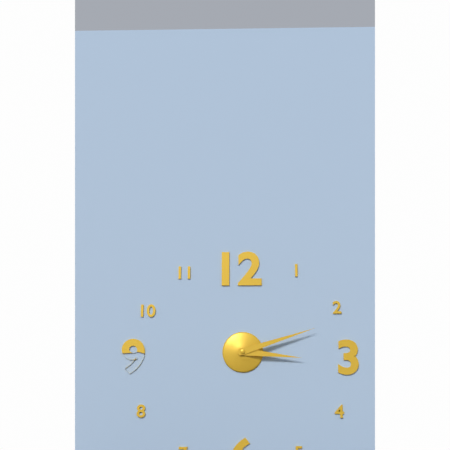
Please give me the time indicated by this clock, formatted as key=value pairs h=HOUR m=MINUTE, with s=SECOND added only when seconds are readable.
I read h=3 m=12
